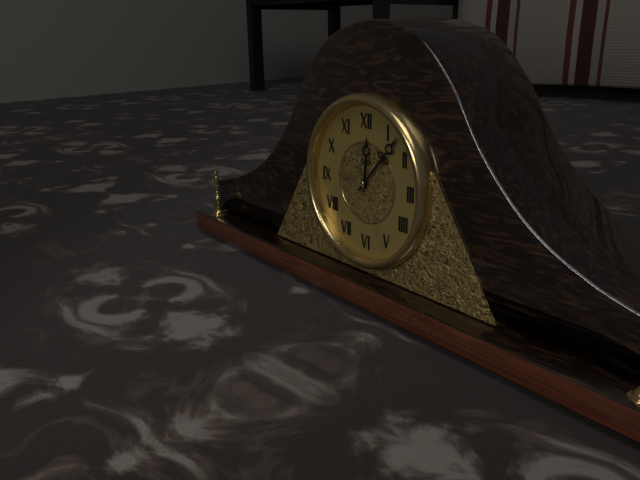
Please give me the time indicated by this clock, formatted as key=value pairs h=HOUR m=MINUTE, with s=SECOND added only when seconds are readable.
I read h=12 m=7 s=26
